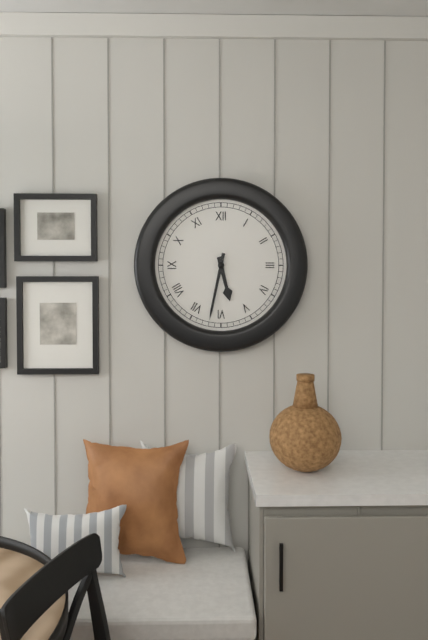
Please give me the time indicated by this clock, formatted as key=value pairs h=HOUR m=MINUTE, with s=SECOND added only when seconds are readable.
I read h=5 m=32
